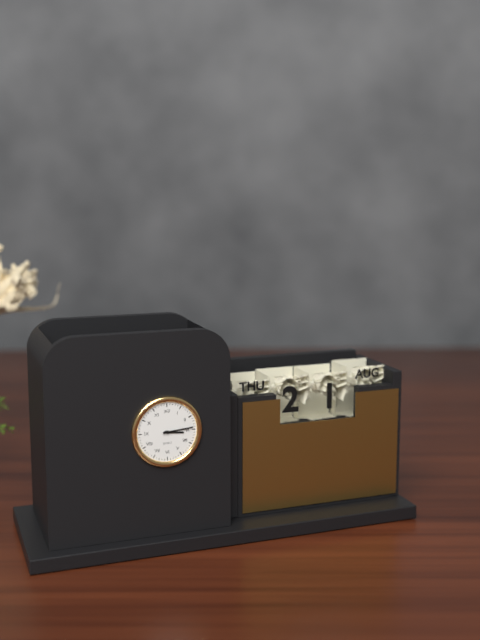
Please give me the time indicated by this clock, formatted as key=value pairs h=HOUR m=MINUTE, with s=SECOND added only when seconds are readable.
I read h=3 m=14
